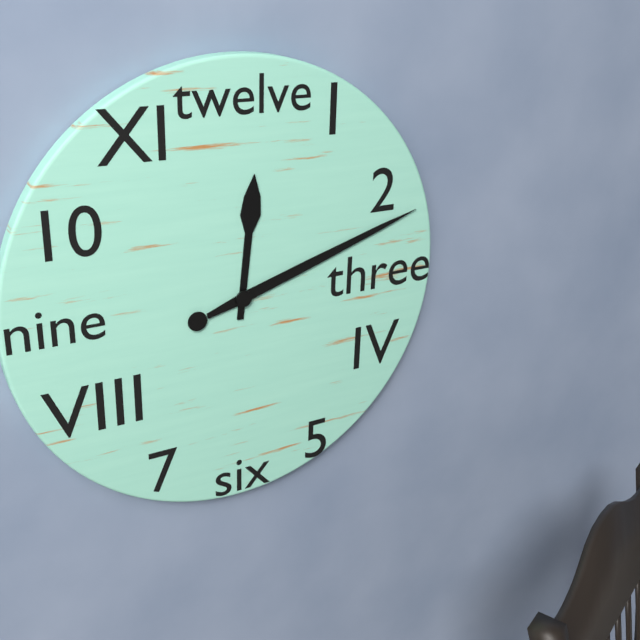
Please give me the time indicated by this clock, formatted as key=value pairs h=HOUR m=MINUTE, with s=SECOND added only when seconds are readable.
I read h=12 m=12
